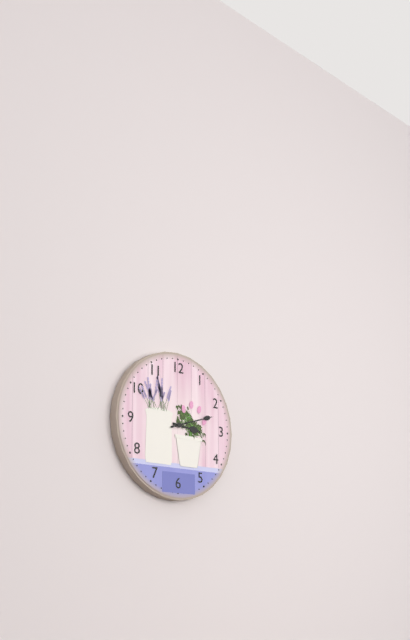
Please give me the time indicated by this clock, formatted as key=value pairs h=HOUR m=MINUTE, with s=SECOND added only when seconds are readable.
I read h=3 m=12
